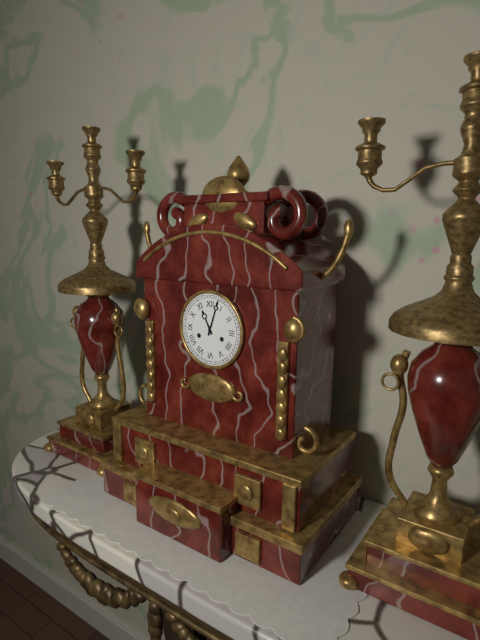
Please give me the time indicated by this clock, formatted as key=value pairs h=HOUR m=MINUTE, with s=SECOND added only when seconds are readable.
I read h=11 m=3
